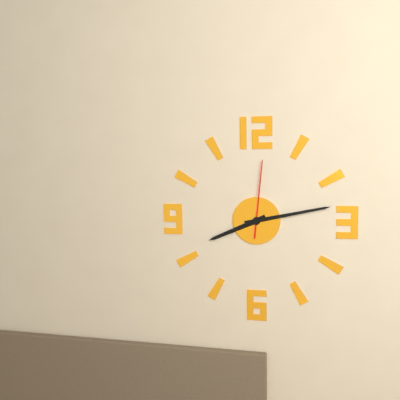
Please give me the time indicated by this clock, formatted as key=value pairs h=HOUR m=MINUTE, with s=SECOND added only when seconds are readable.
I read h=8 m=13 s=1
